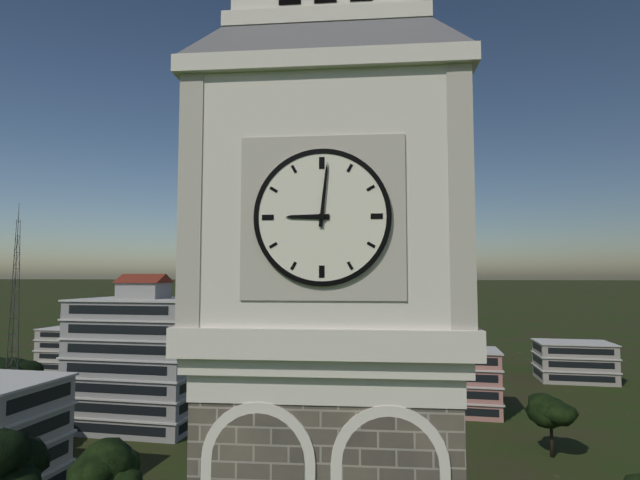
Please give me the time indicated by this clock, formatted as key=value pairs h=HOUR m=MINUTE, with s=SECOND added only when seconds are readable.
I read h=9 m=1
